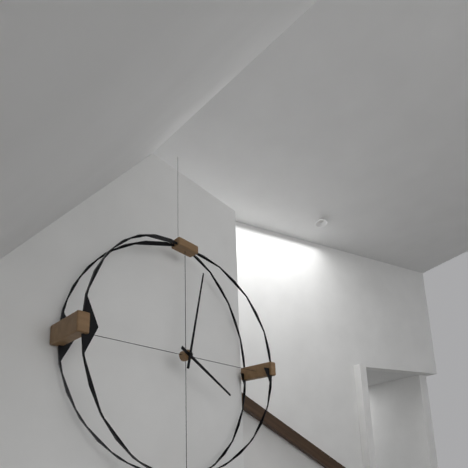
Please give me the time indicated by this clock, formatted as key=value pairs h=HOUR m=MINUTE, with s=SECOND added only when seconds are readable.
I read h=4 m=2
